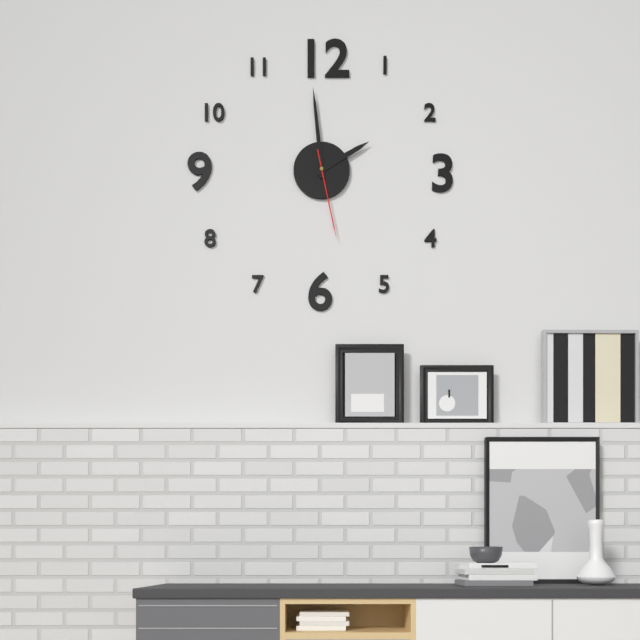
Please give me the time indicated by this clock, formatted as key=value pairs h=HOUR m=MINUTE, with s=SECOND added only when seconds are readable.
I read h=1 m=59 s=28
